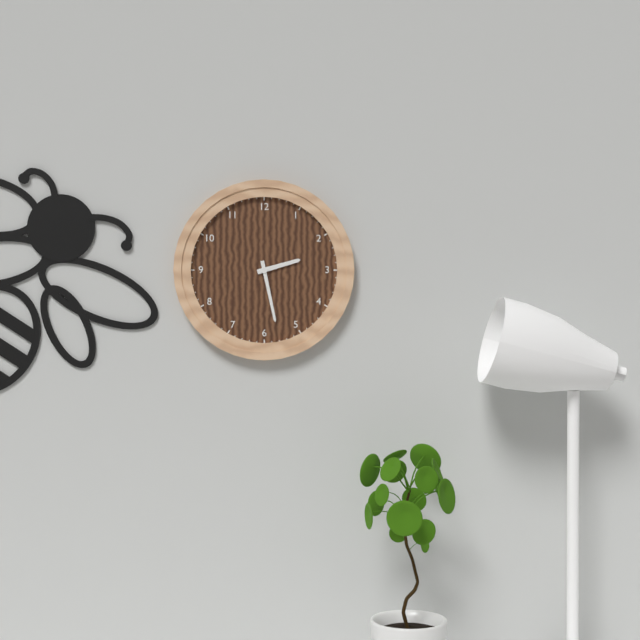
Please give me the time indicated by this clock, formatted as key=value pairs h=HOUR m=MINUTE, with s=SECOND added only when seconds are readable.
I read h=2 m=28
